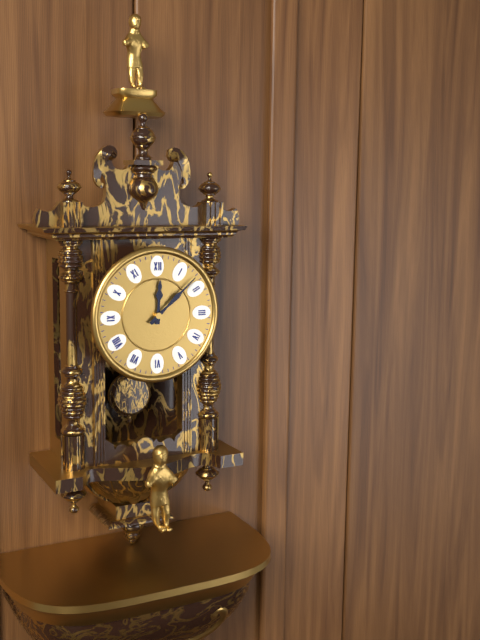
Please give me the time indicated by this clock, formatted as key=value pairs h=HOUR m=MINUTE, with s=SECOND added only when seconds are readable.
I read h=12 m=8
